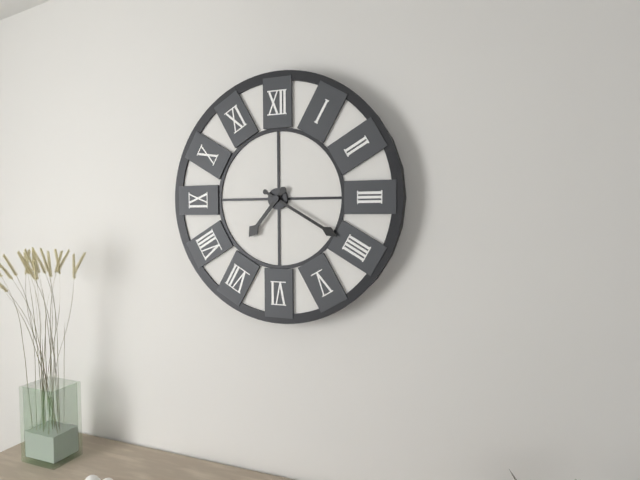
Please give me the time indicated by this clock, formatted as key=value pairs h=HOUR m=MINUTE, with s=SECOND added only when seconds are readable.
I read h=7 m=20
